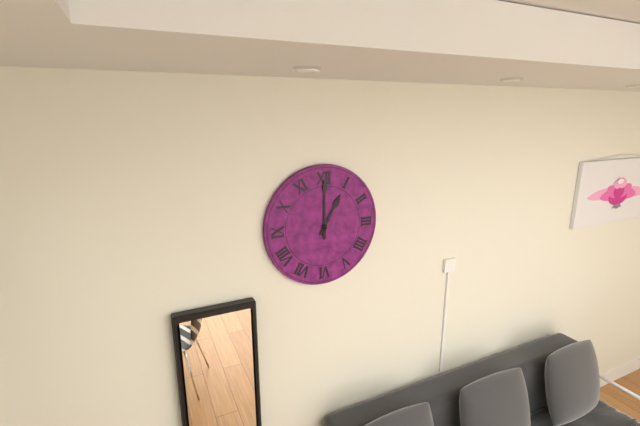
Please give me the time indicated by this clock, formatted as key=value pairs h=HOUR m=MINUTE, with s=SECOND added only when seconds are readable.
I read h=1 m=0
